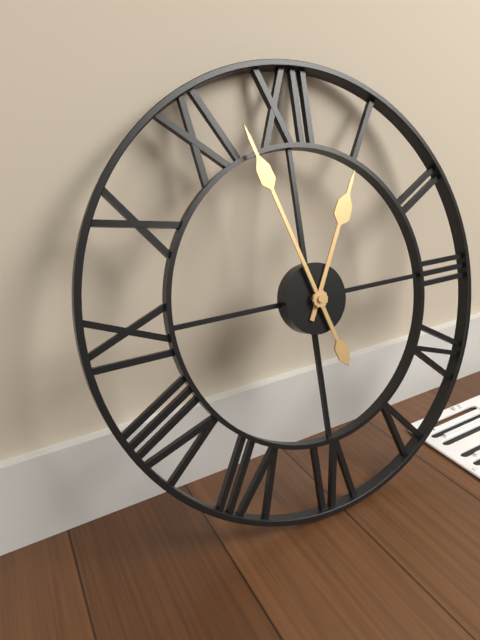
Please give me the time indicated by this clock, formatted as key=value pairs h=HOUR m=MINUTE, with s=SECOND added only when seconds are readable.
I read h=12 m=57
